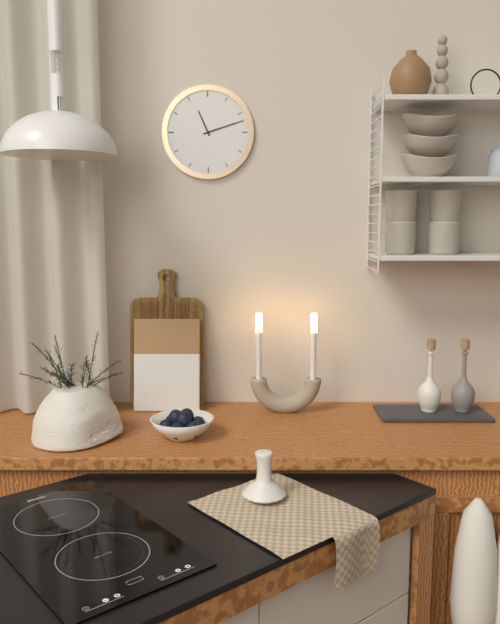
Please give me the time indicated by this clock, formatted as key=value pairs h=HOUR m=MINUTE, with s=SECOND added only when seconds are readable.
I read h=11 m=12
